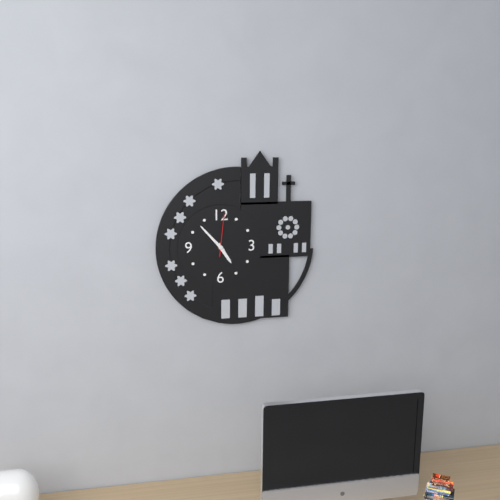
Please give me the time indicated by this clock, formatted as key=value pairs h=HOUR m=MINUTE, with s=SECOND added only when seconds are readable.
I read h=4 m=53
